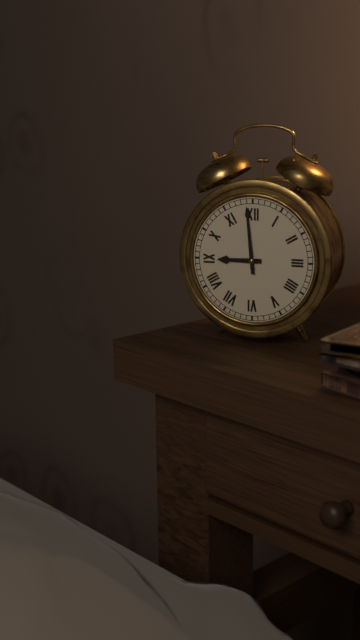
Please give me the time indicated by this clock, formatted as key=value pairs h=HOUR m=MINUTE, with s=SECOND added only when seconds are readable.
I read h=8 m=59
